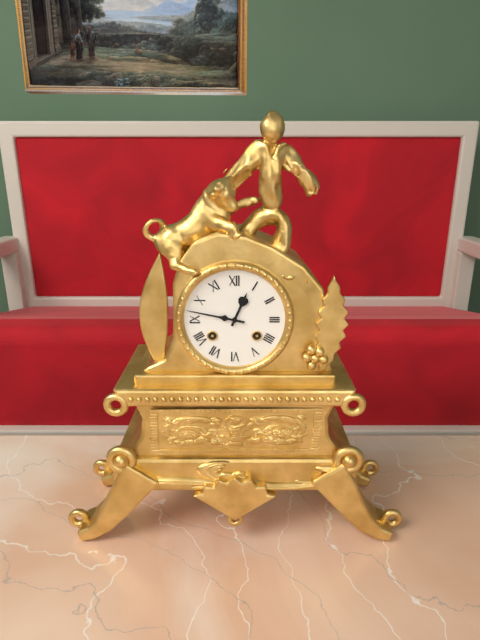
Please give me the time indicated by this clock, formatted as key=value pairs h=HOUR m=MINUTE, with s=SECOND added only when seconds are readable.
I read h=12 m=47
